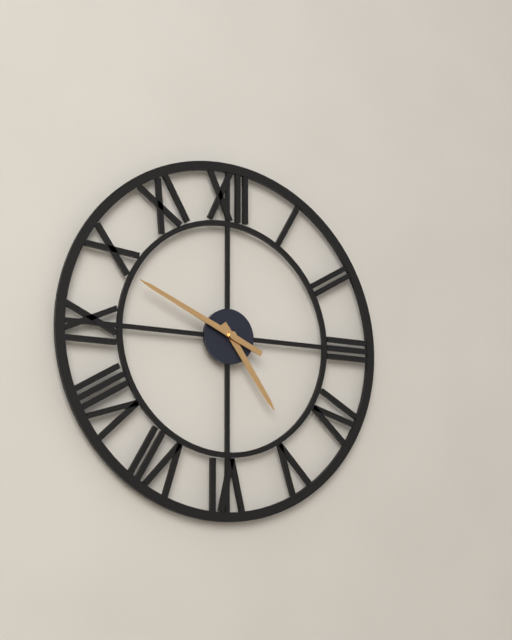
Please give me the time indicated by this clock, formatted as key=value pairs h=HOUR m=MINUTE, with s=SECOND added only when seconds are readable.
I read h=4 m=49
